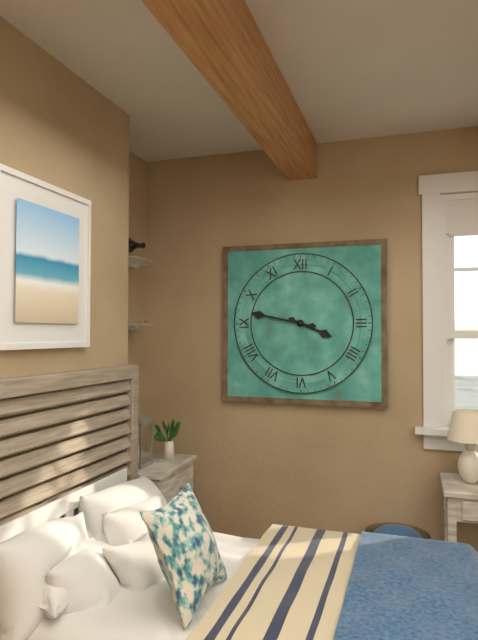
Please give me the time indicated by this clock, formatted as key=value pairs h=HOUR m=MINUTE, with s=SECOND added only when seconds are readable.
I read h=3 m=47
